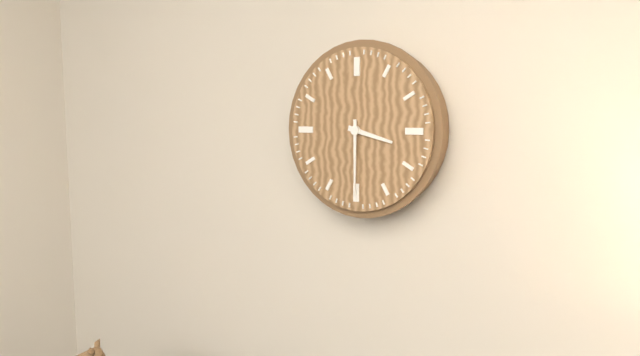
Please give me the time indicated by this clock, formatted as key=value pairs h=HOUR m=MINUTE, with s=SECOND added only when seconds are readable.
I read h=3 m=30
